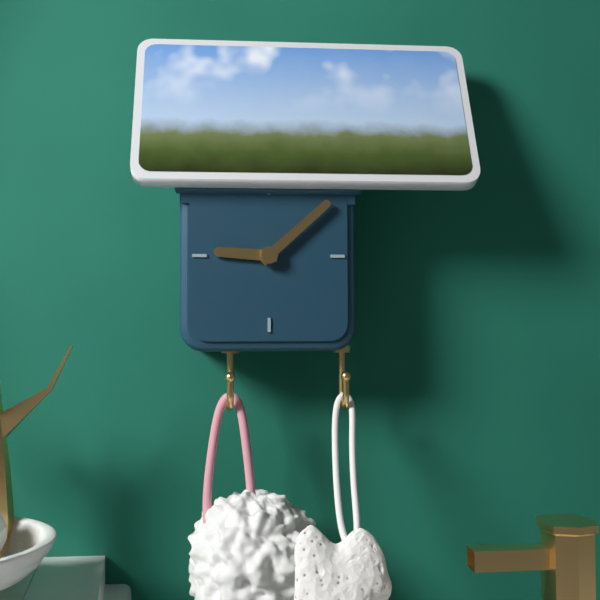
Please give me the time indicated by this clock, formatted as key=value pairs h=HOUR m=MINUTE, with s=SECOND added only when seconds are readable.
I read h=9 m=8
